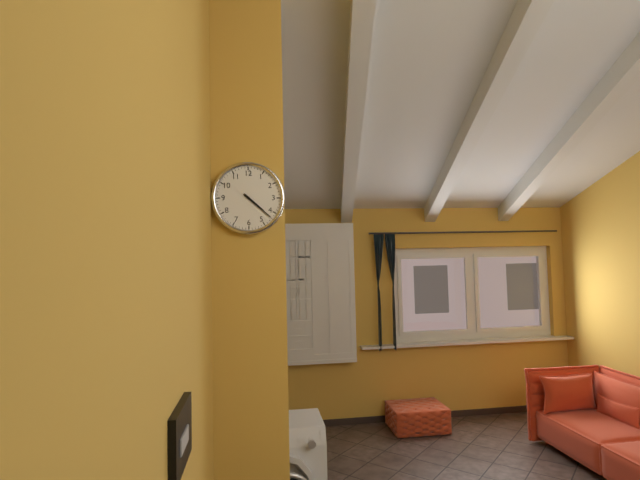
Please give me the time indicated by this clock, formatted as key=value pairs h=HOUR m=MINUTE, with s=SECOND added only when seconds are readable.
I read h=4 m=22
